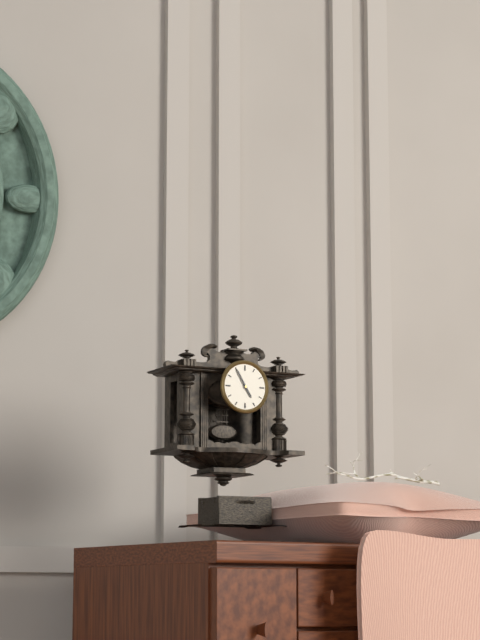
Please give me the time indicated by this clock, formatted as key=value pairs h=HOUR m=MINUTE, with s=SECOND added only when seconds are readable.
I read h=4 m=55
